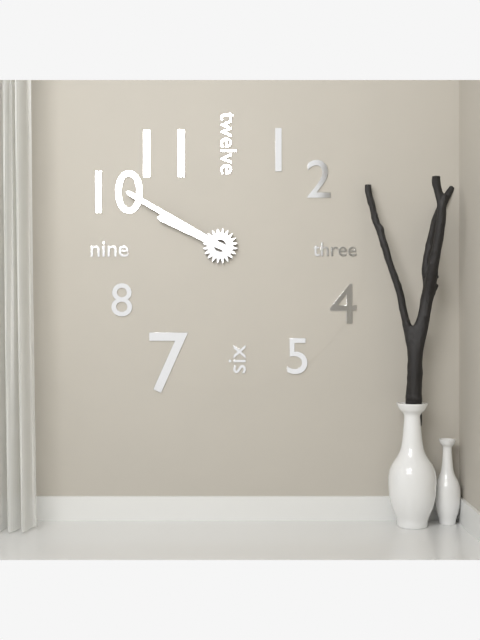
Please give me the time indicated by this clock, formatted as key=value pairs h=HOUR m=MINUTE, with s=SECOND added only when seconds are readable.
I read h=9 m=50
